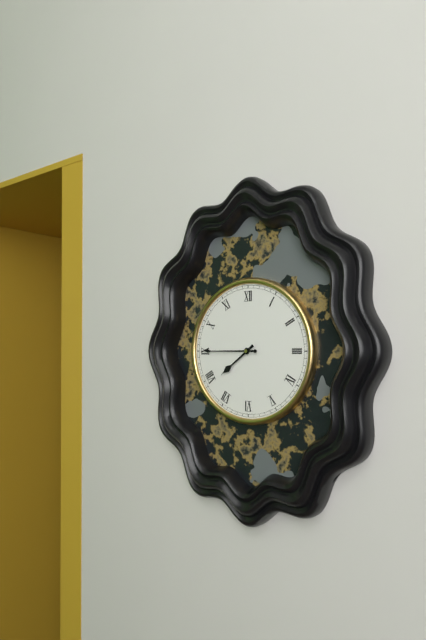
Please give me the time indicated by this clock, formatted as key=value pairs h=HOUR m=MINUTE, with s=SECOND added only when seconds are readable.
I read h=7 m=45
